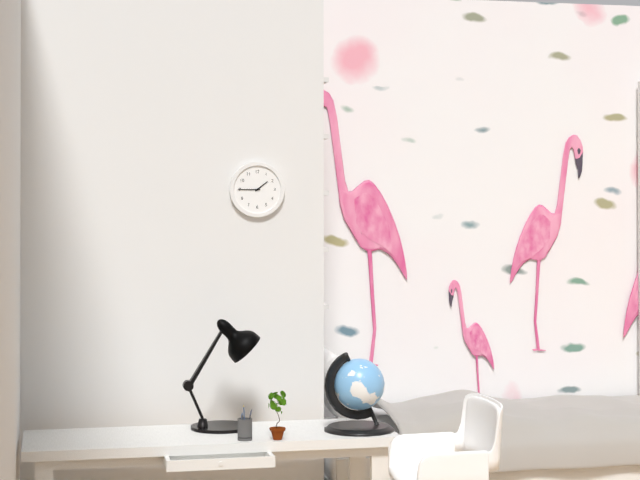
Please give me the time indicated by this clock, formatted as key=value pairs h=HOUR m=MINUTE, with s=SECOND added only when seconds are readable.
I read h=1 m=45
